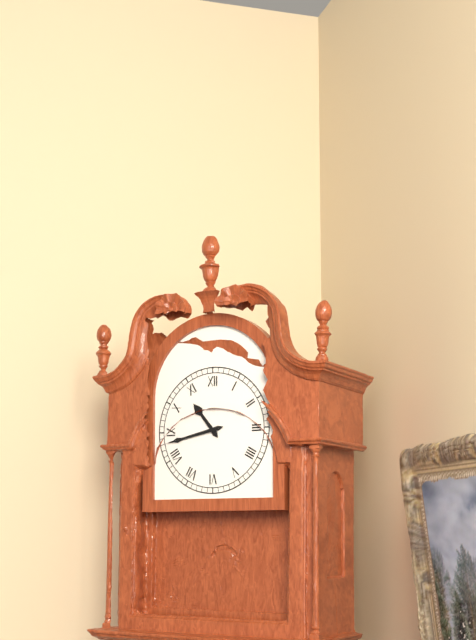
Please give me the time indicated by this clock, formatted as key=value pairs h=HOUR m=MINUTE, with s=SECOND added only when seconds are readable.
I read h=10 m=43
